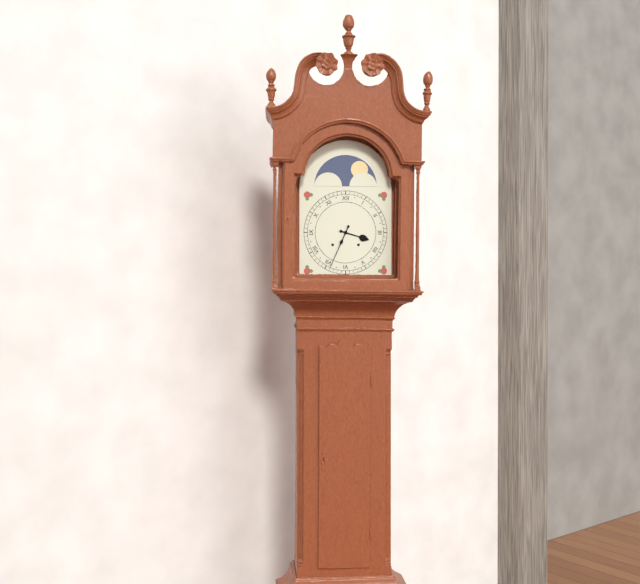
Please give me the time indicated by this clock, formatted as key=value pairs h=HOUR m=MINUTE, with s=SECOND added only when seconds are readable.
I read h=3 m=34
